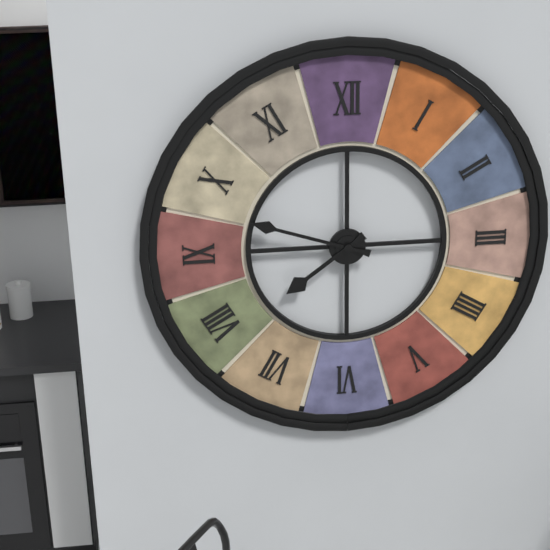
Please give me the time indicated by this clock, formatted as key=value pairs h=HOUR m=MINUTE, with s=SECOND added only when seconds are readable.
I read h=7 m=48
